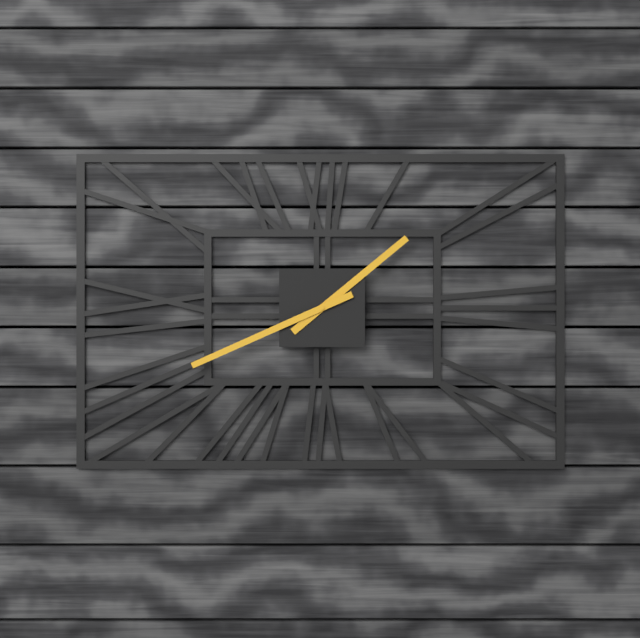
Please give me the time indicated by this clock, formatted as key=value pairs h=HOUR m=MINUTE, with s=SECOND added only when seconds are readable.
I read h=1 m=41
